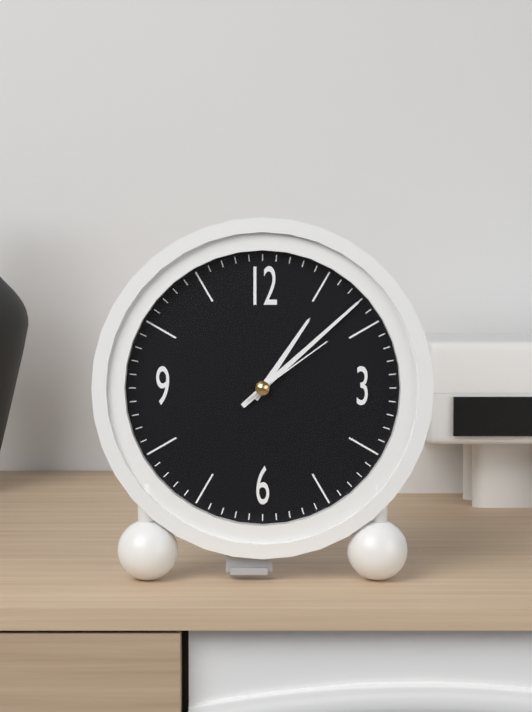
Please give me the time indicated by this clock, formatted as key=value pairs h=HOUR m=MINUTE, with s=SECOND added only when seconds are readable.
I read h=1 m=8 s=9
